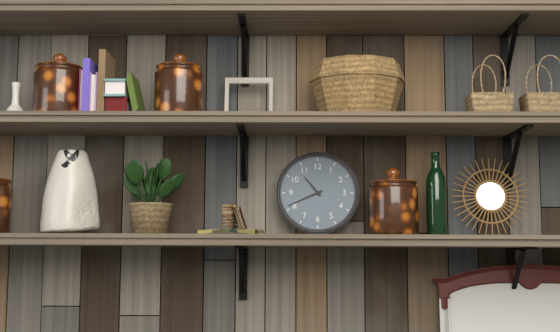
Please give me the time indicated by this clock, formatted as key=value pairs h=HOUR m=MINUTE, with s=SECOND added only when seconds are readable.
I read h=10 m=41
